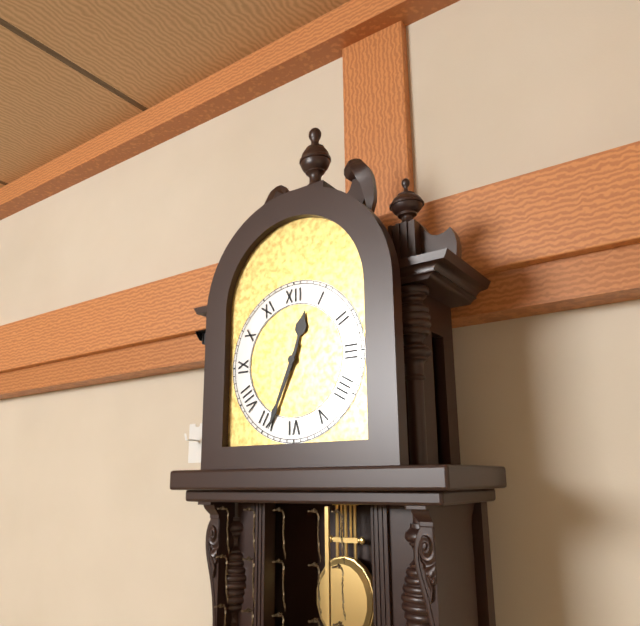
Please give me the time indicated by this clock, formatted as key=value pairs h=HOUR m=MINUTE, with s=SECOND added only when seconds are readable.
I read h=12 m=34
